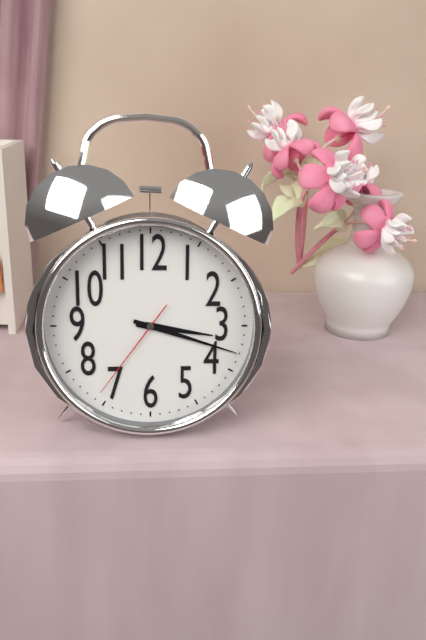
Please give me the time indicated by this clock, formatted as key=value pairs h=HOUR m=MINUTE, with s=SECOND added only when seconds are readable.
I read h=3 m=18 s=36
